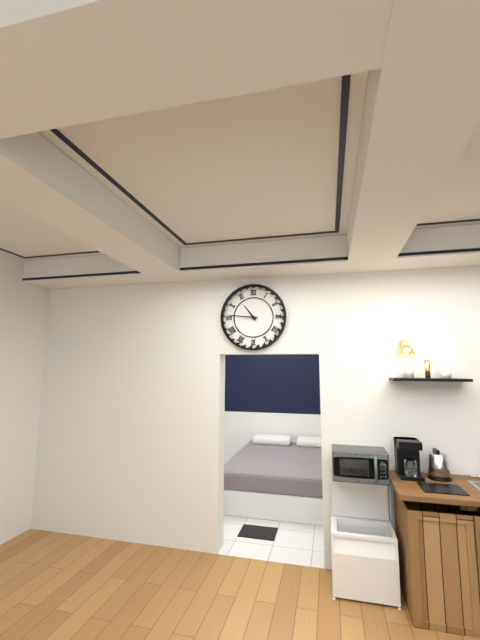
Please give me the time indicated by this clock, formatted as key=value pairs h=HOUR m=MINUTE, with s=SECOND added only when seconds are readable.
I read h=10 m=46
